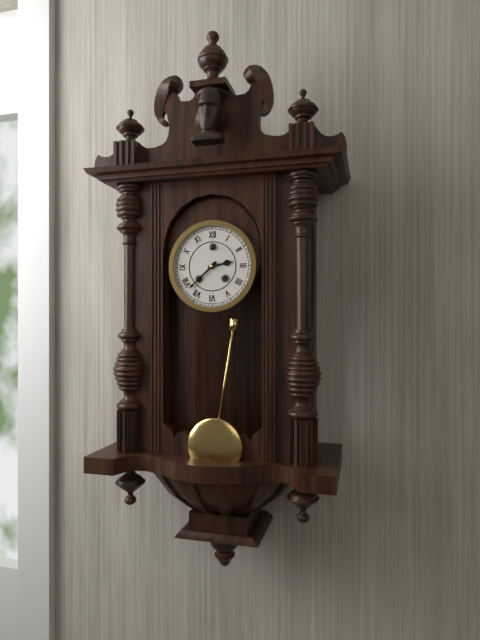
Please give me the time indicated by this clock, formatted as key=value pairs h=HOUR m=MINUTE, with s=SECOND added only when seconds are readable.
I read h=2 m=38
